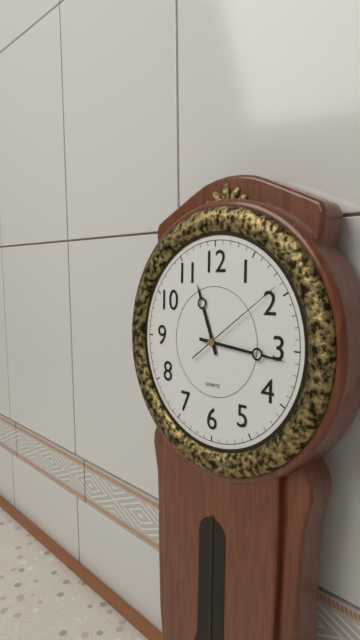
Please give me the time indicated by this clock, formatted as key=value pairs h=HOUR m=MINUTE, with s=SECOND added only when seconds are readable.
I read h=11 m=16 s=9
